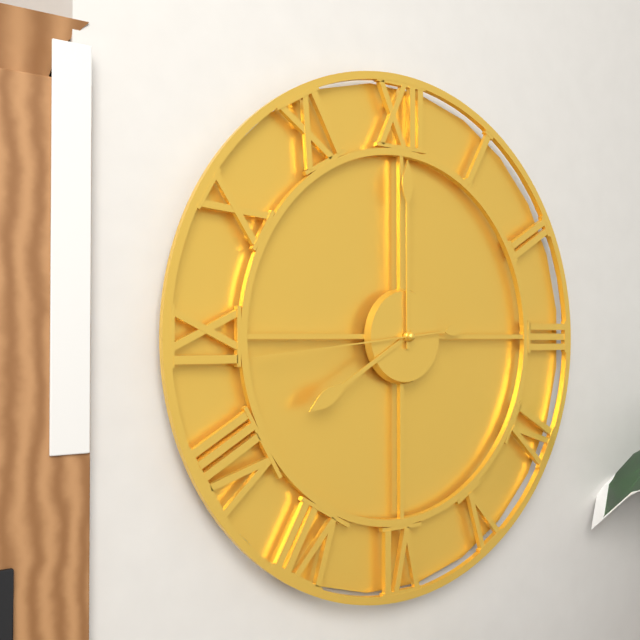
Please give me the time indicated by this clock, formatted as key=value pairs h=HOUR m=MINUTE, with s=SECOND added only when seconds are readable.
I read h=8 m=0 s=44
